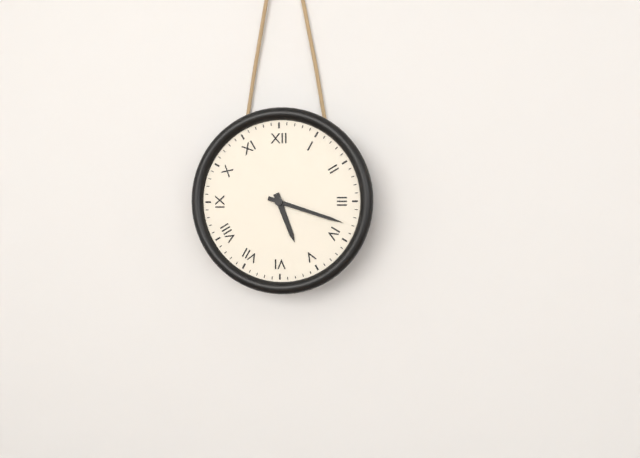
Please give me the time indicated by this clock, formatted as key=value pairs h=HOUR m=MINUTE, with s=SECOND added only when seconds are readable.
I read h=5 m=18
